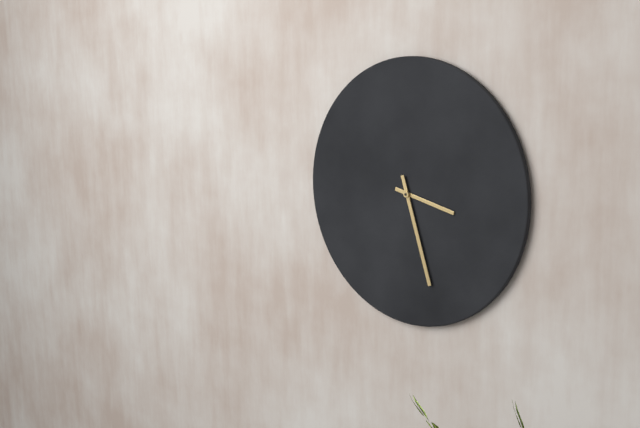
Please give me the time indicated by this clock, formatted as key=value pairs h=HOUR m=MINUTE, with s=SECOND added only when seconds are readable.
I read h=3 m=27
